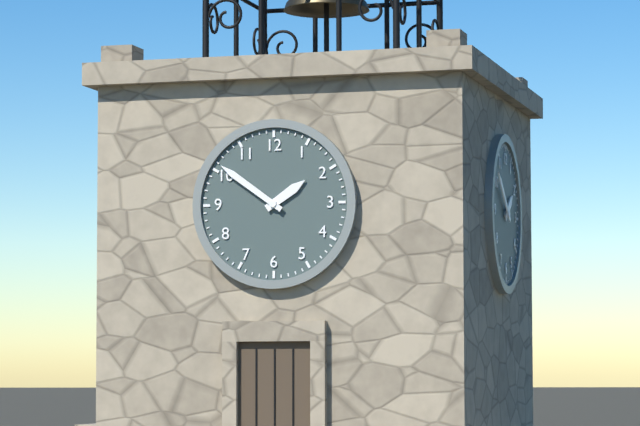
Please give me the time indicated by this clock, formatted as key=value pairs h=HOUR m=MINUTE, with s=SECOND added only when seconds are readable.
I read h=1 m=51
